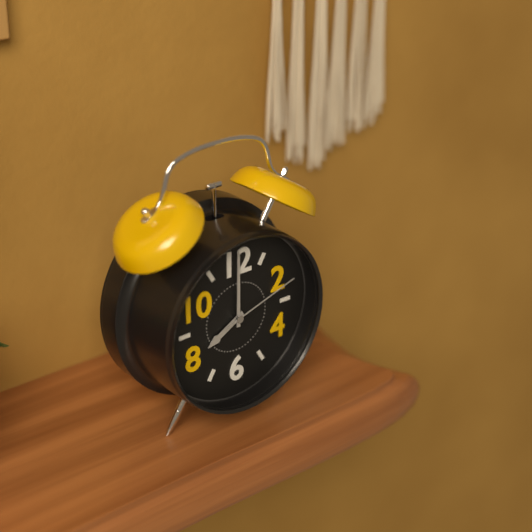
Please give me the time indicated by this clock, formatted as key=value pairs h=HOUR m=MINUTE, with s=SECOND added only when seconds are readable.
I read h=8 m=0 s=12
